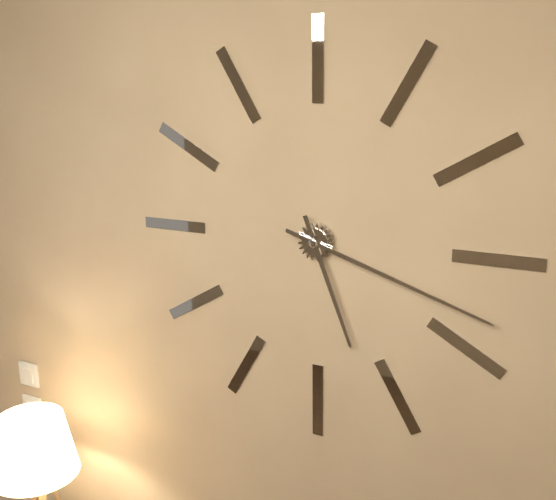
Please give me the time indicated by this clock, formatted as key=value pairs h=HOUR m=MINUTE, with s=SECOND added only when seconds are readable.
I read h=5 m=18
